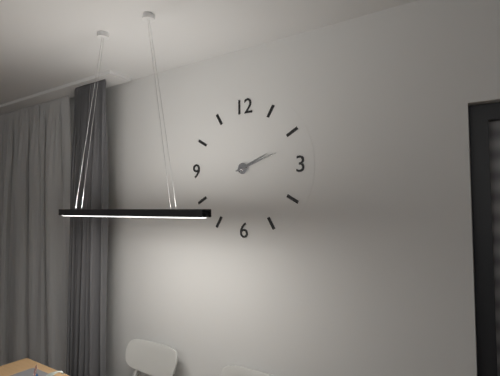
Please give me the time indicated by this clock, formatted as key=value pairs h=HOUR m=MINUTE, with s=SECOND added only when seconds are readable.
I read h=2 m=12
